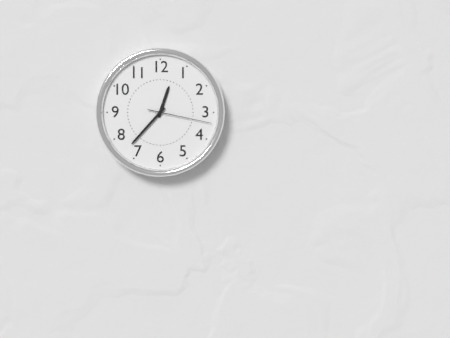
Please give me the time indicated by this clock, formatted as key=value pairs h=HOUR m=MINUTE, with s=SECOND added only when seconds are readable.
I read h=12 m=37 s=17
